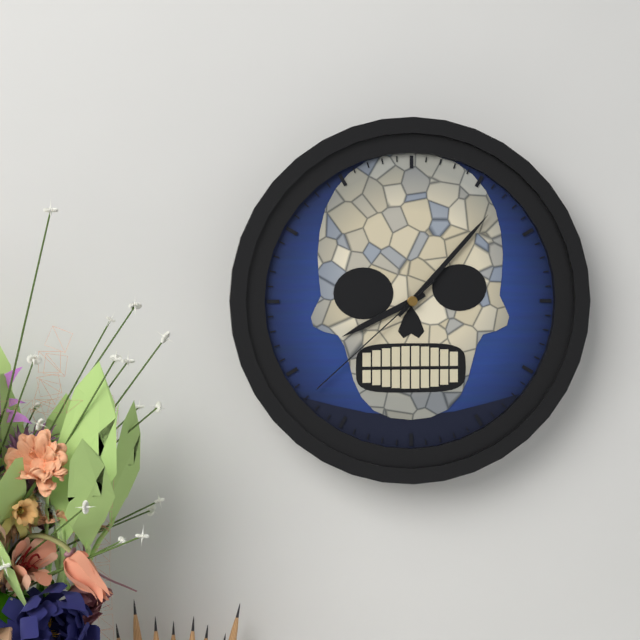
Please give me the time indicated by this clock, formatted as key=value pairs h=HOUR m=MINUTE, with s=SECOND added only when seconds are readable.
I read h=8 m=7 s=38
